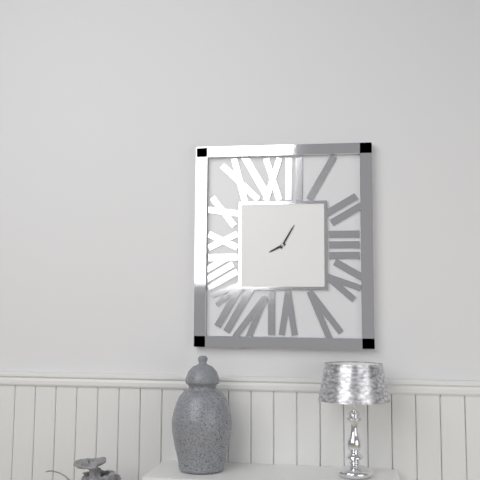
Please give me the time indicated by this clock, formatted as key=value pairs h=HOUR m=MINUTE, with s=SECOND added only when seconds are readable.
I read h=8 m=5
